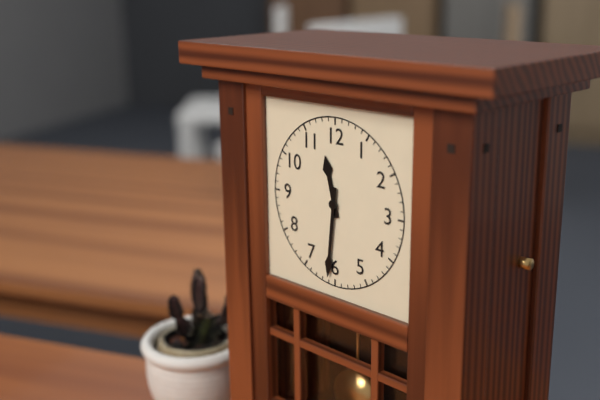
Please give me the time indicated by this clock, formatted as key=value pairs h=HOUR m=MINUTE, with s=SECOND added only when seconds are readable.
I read h=11 m=31
